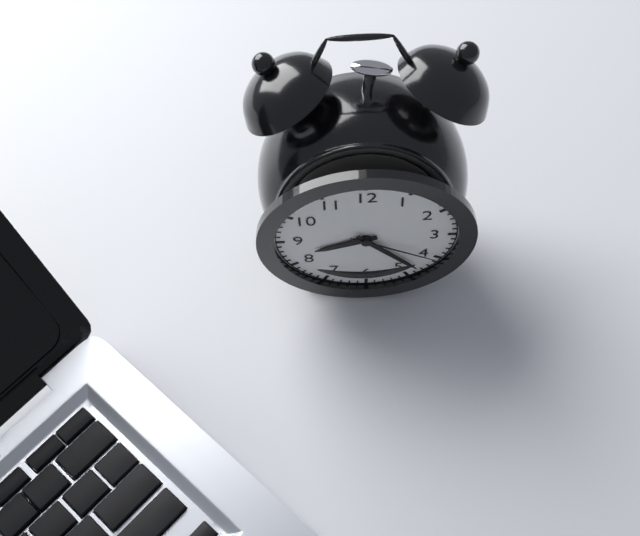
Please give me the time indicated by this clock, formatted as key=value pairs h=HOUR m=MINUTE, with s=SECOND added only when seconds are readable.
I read h=8 m=23 s=20
